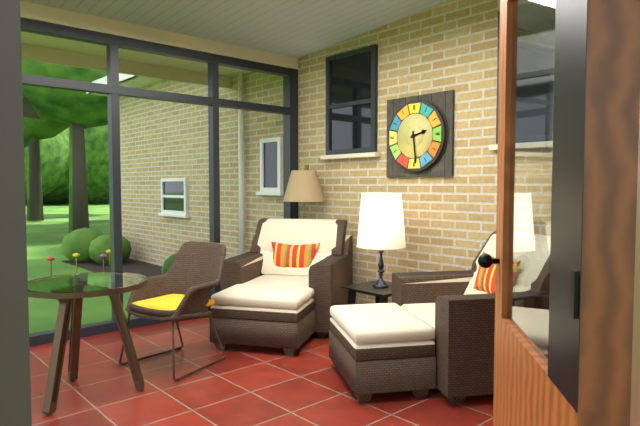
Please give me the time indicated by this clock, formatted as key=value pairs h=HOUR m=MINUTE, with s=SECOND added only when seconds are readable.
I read h=2 m=29
